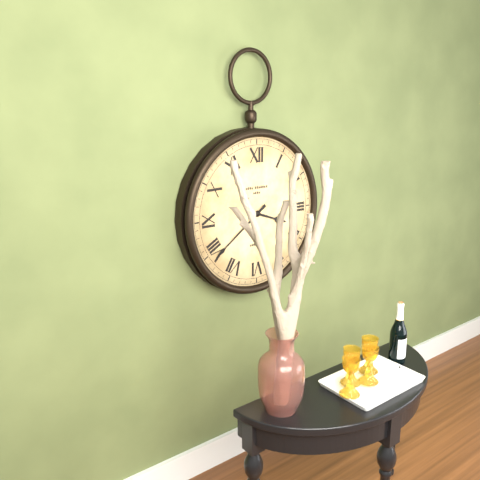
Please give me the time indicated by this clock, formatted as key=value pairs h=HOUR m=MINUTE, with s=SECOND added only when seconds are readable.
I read h=3 m=39
